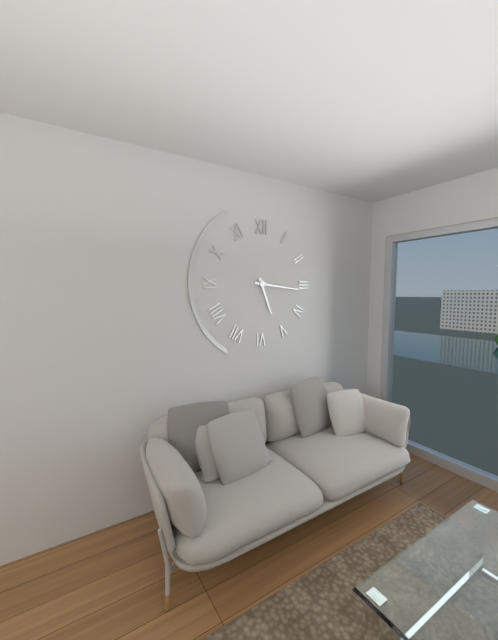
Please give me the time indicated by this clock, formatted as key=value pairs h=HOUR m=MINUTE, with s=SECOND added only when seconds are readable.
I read h=5 m=16
